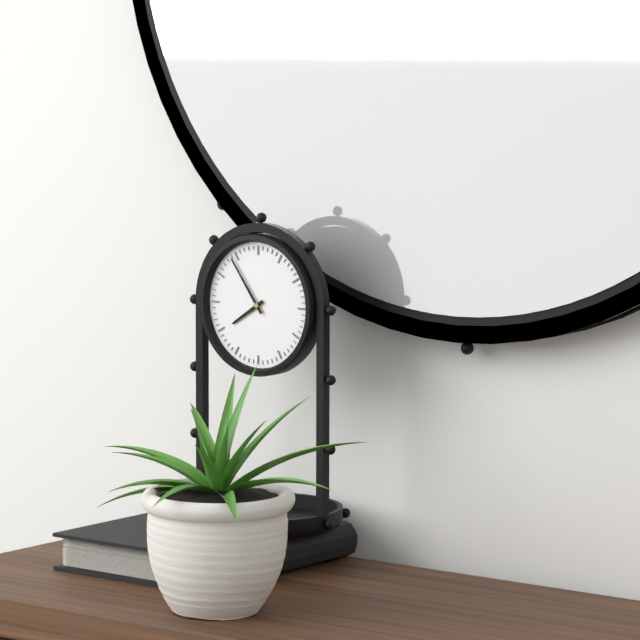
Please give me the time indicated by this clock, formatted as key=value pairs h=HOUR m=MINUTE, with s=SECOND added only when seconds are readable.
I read h=7 m=54
